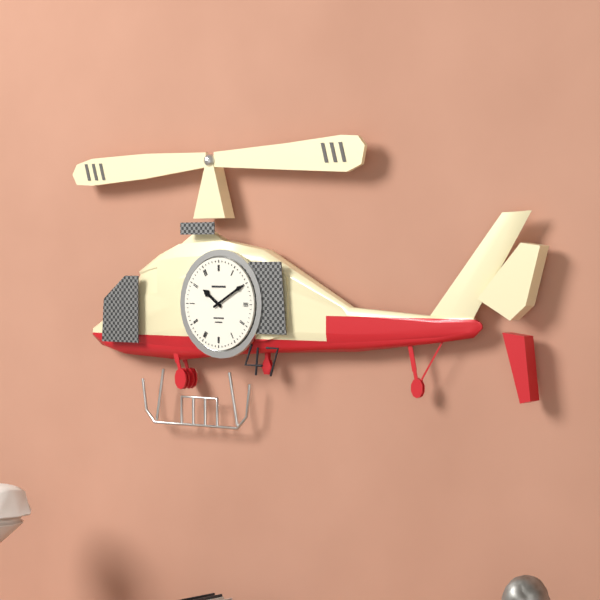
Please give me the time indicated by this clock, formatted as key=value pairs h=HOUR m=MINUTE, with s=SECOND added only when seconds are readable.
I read h=10 m=10
